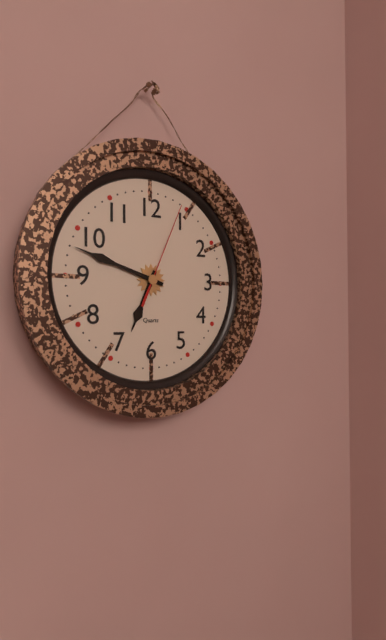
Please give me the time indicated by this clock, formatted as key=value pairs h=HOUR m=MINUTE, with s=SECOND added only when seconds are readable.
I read h=6 m=48 s=4
